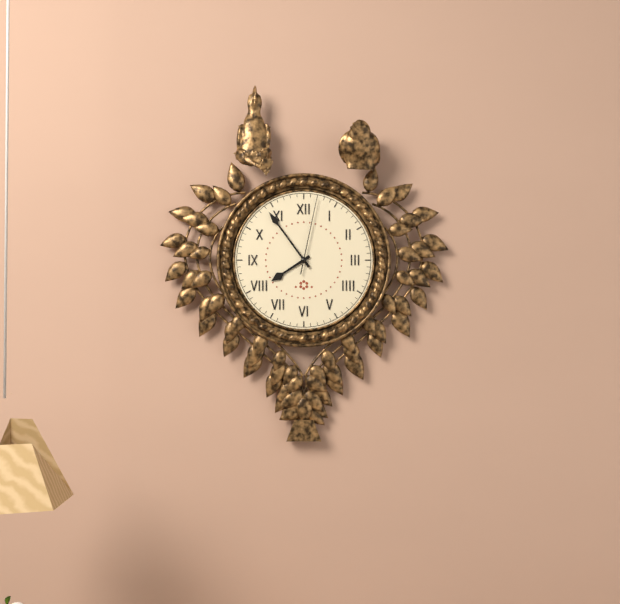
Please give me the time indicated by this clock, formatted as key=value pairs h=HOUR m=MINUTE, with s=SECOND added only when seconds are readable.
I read h=7 m=54 s=2
